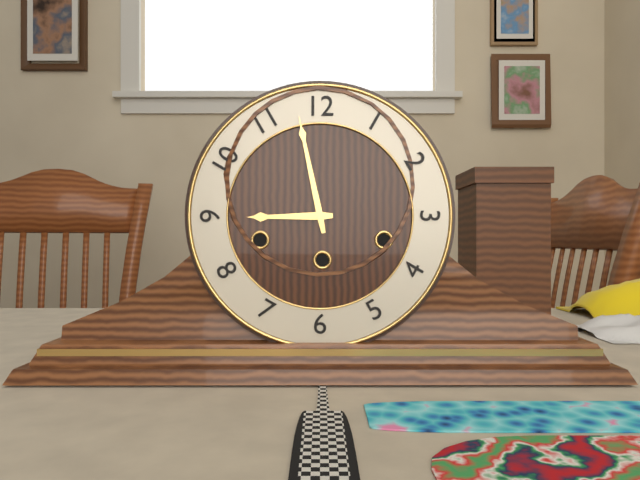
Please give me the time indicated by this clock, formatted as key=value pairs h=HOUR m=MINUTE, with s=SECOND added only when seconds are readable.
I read h=8 m=58
